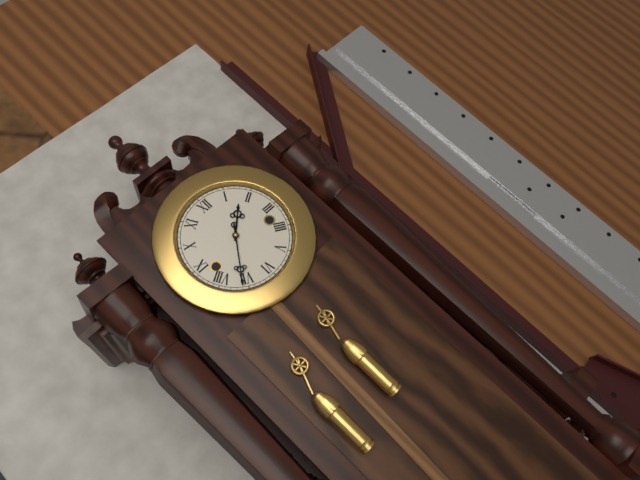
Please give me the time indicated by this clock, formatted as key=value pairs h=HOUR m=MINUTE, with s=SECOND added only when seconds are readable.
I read h=1 m=36
